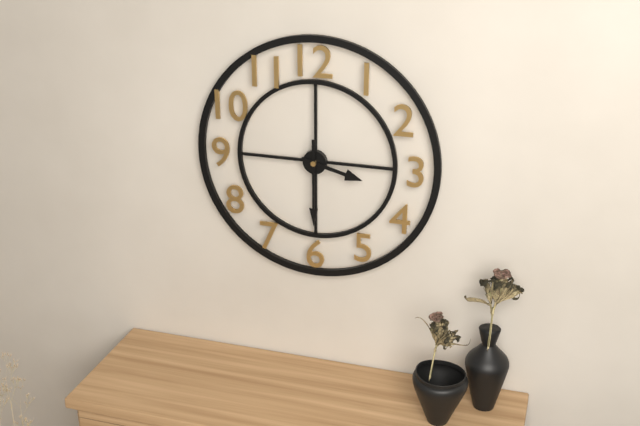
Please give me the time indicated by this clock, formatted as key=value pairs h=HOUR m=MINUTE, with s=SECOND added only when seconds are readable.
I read h=3 m=30
